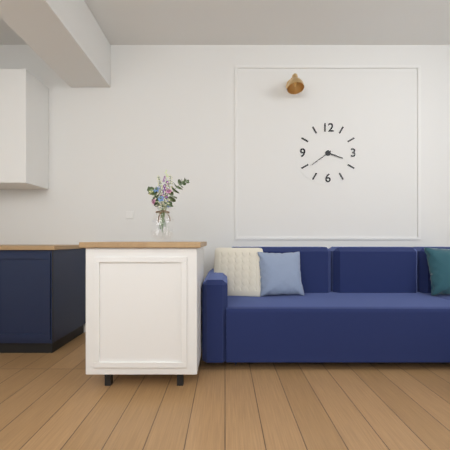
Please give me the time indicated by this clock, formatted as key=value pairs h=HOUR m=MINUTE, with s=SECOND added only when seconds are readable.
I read h=3 m=39
